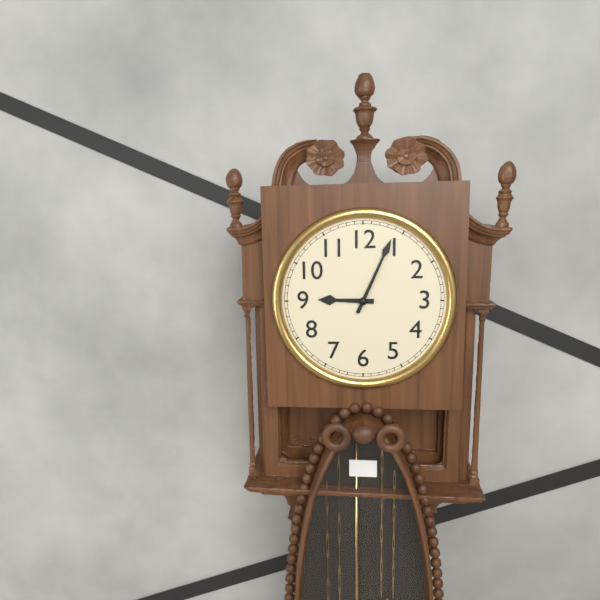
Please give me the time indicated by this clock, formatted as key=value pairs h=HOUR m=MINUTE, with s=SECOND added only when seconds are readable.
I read h=9 m=4
